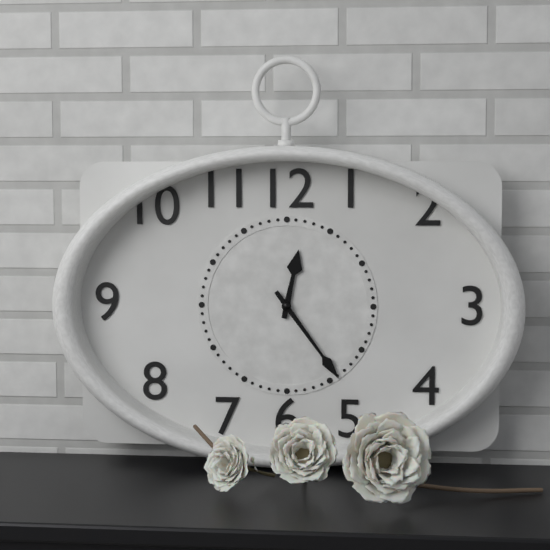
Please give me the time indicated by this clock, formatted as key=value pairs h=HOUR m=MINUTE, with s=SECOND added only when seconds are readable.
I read h=12 m=24
